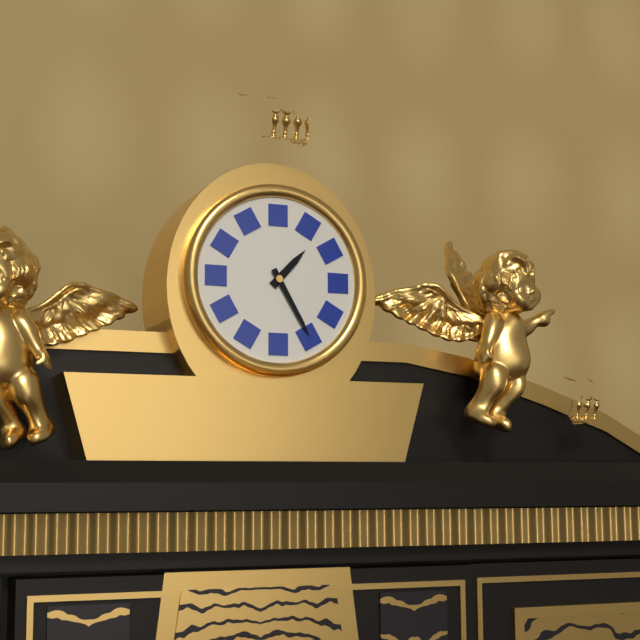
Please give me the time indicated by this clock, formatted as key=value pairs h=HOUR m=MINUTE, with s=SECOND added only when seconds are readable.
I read h=1 m=25
